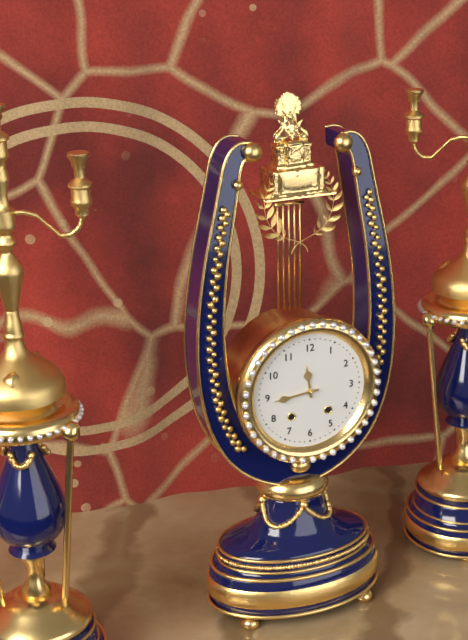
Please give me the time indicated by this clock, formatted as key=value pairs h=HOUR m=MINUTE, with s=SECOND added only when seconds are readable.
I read h=11 m=44
